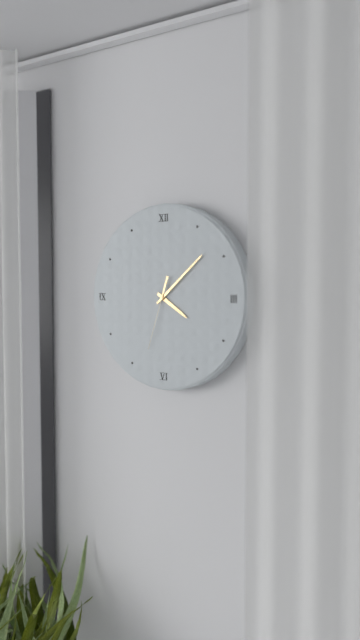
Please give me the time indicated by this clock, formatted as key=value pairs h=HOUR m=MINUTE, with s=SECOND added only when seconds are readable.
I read h=4 m=8 s=33
